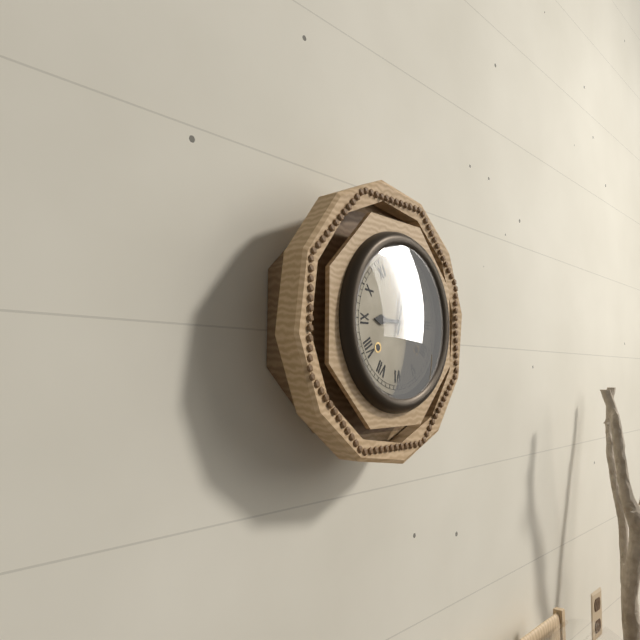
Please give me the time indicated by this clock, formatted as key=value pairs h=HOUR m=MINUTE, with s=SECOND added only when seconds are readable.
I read h=9 m=2
